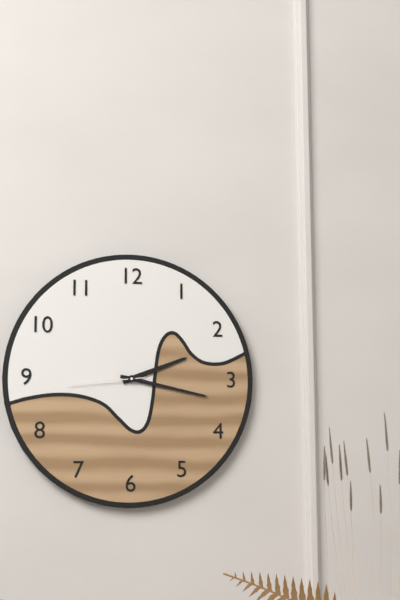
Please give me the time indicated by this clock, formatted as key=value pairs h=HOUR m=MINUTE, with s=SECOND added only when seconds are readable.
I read h=2 m=17 s=44
